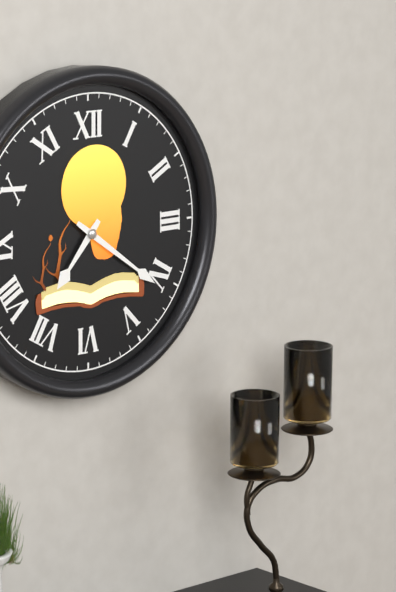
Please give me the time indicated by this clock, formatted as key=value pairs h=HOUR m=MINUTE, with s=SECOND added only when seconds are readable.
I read h=7 m=21
